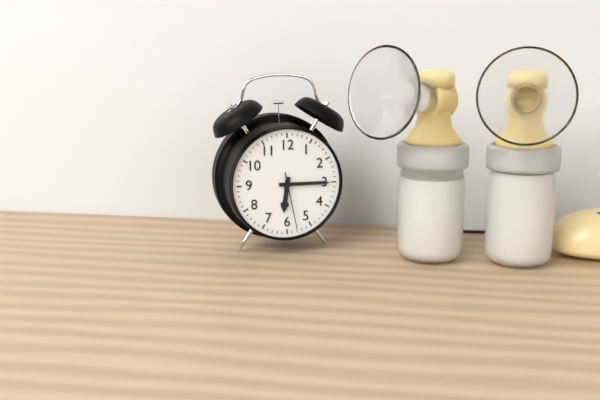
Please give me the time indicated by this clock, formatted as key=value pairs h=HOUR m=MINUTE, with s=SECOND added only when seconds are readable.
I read h=6 m=15 s=28
